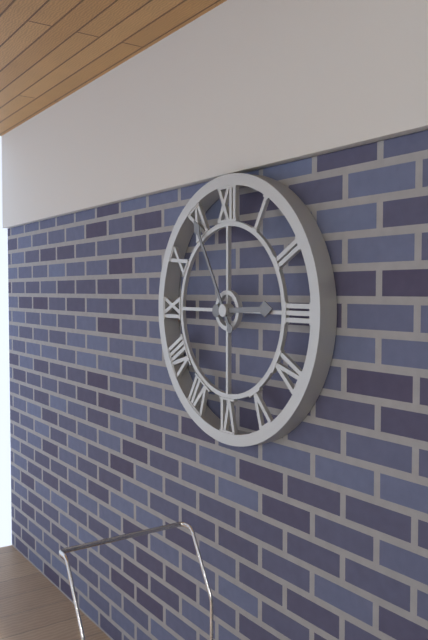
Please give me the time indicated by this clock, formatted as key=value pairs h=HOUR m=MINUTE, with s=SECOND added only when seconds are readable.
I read h=2 m=55
